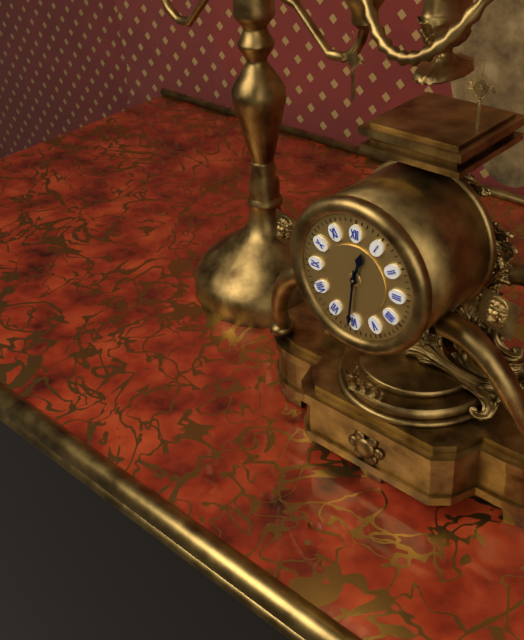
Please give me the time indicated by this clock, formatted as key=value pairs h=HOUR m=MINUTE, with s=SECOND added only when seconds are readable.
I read h=12 m=31
